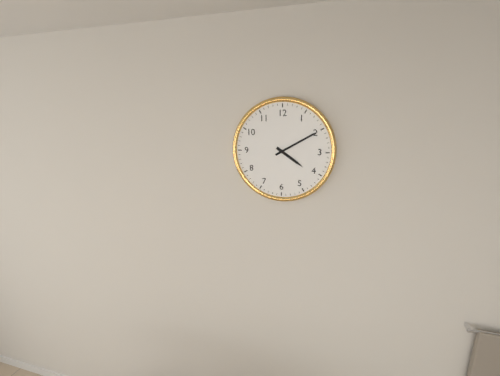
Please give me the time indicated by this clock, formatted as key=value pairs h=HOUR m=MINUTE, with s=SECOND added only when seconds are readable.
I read h=4 m=10
